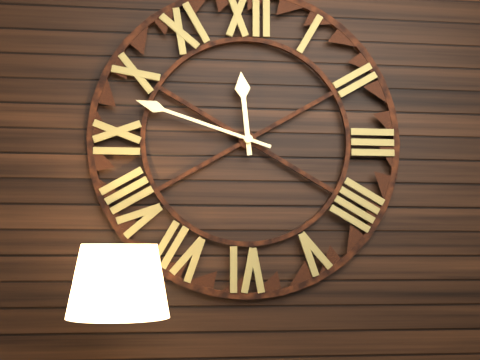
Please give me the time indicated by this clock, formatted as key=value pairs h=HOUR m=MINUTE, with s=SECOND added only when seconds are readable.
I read h=11 m=48
